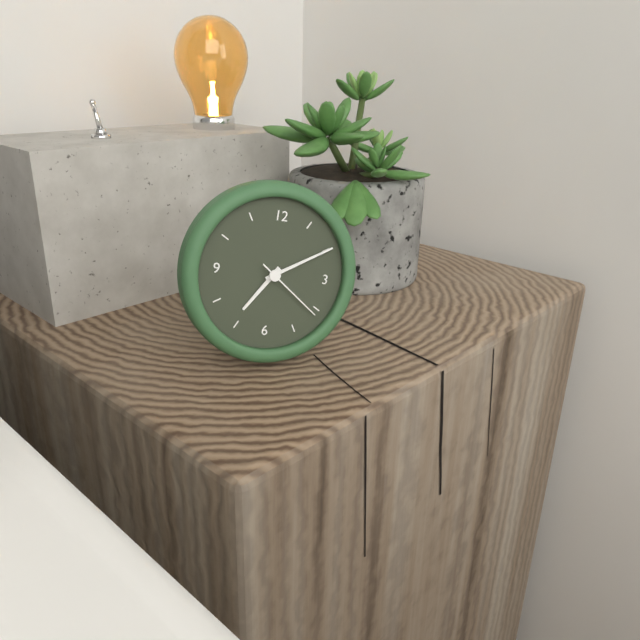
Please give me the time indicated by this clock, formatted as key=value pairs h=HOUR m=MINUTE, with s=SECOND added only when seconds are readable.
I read h=7 m=10 s=21
